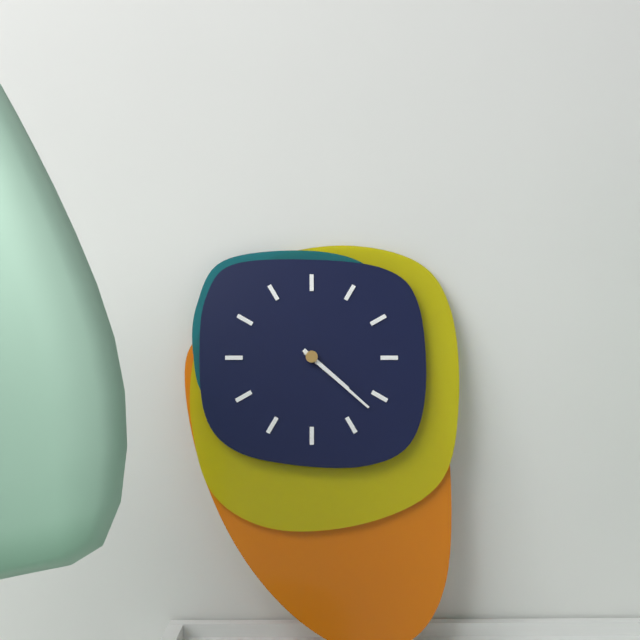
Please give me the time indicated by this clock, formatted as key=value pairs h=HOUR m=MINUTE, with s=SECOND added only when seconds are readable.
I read h=4 m=22
